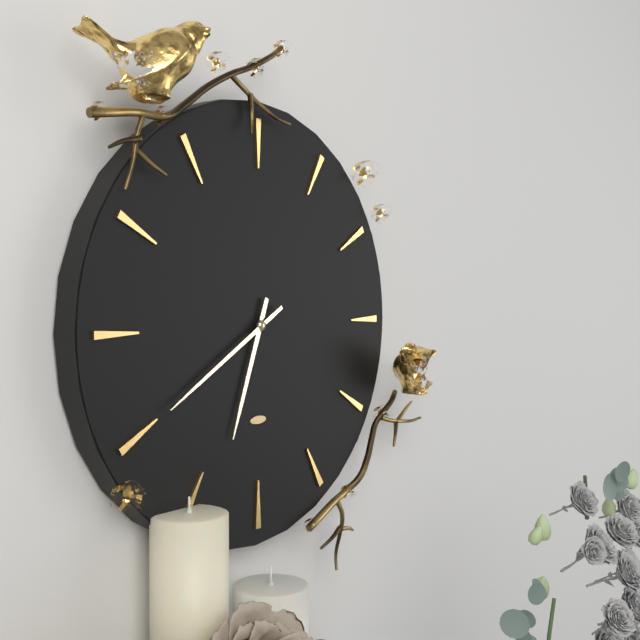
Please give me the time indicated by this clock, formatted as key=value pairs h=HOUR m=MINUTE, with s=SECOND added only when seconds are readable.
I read h=6 m=40
